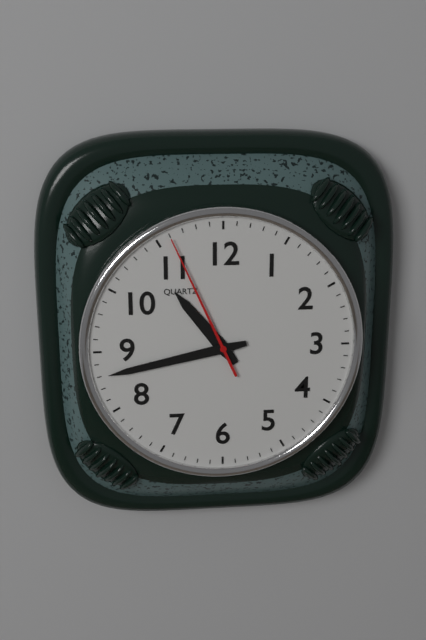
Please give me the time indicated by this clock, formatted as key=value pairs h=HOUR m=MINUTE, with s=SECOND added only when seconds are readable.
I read h=10 m=43 s=56
